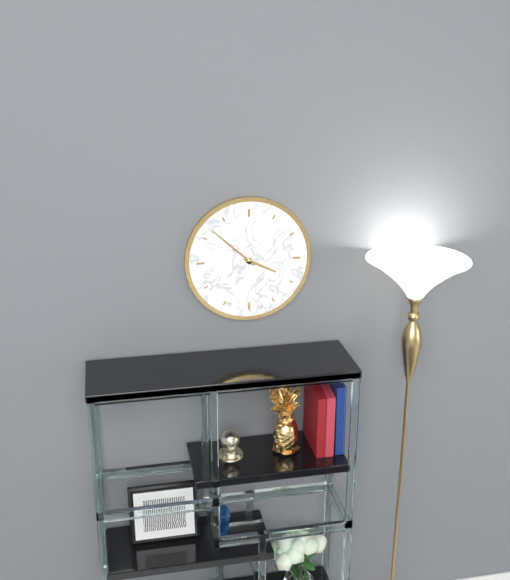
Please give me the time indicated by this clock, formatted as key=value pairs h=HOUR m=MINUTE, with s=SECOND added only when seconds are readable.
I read h=3 m=52
